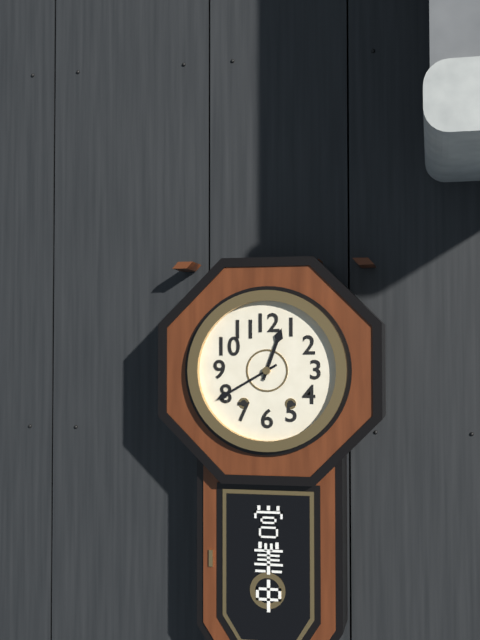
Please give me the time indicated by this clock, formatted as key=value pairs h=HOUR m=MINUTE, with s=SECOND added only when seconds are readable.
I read h=12 m=40
